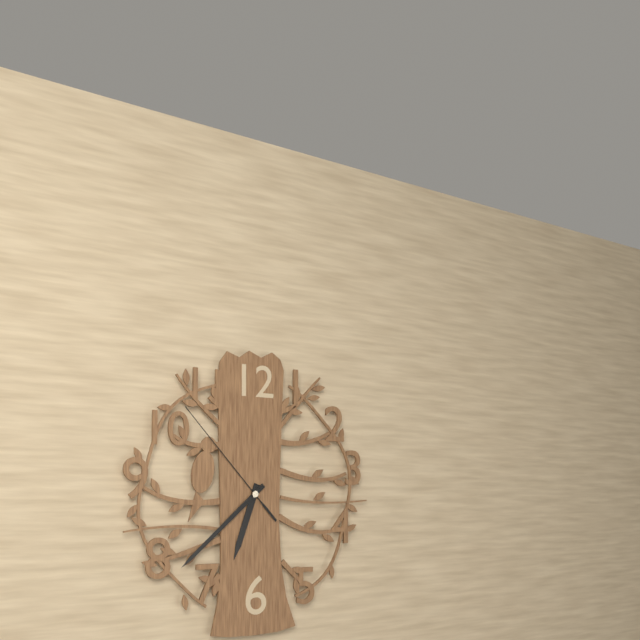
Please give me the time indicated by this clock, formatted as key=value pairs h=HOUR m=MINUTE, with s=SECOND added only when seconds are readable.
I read h=6 m=38 s=53
